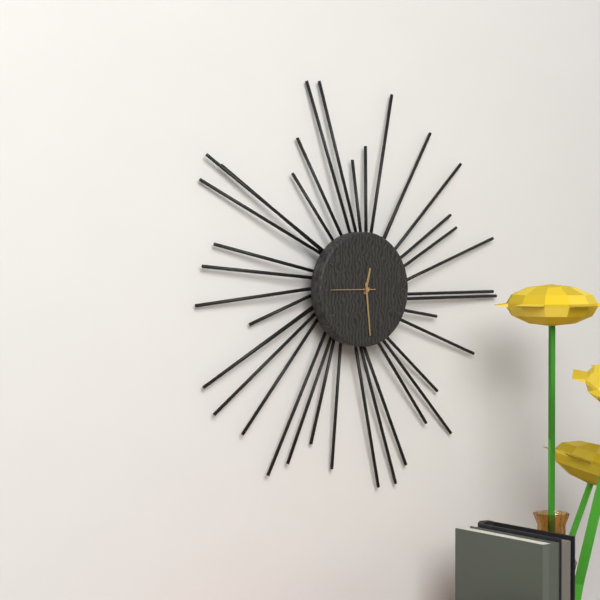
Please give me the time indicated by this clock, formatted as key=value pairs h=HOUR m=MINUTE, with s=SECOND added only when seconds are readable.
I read h=12 m=29
